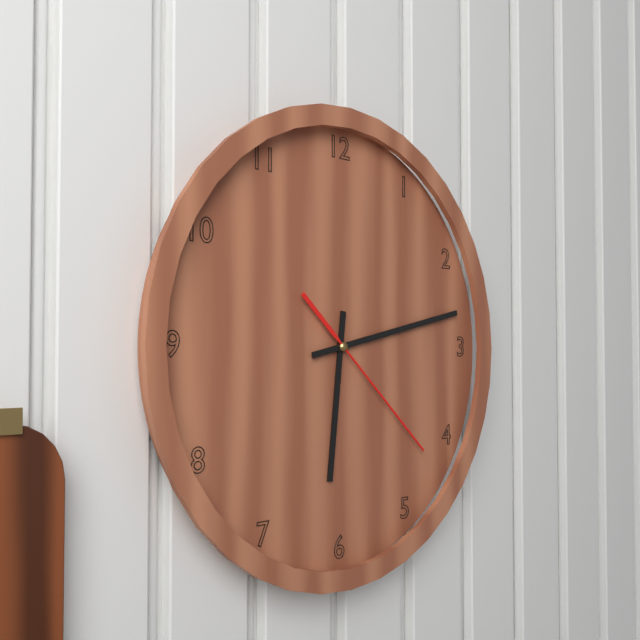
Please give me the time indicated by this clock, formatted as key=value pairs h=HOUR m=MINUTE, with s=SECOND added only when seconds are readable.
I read h=6 m=13 s=22
